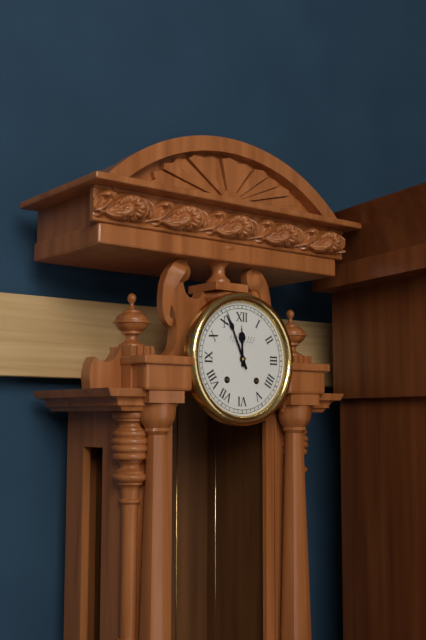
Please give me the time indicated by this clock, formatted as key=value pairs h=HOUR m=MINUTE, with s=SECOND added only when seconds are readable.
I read h=11 m=56
